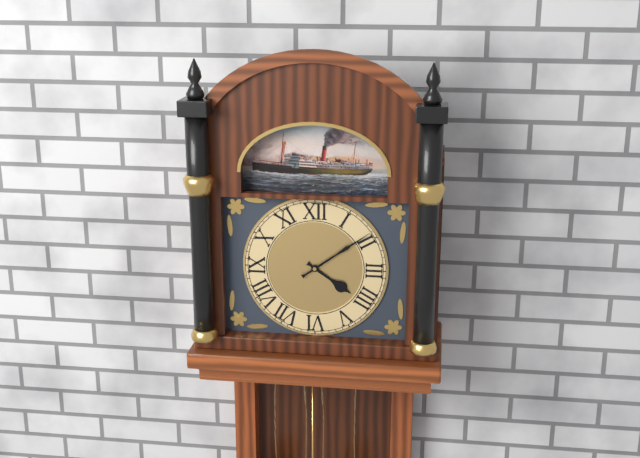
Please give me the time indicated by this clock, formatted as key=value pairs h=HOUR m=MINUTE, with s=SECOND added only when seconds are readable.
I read h=4 m=9
